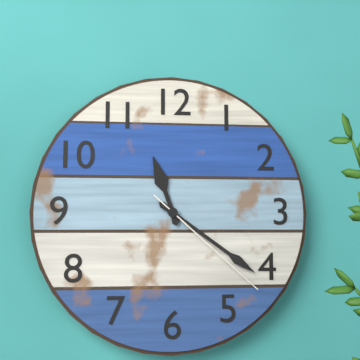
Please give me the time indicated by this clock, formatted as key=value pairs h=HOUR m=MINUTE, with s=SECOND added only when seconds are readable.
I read h=11 m=21 s=22
